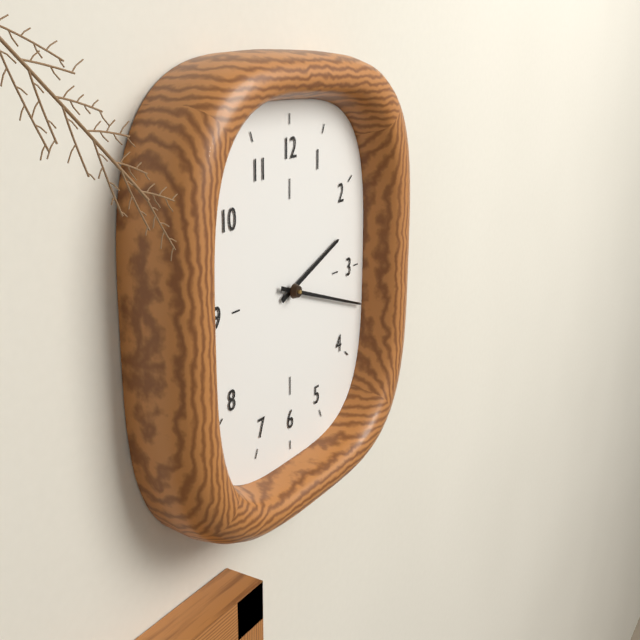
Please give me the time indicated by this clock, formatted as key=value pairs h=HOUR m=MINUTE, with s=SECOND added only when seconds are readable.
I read h=2 m=18
